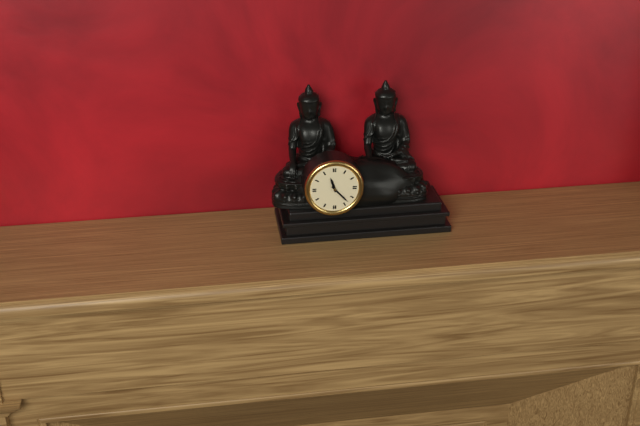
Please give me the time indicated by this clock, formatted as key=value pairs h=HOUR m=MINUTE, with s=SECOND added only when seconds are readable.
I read h=11 m=23
